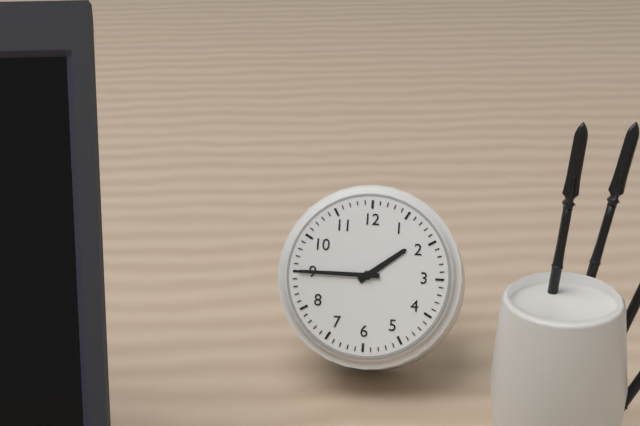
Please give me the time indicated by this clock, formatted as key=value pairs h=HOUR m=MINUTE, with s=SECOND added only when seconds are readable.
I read h=1 m=45
